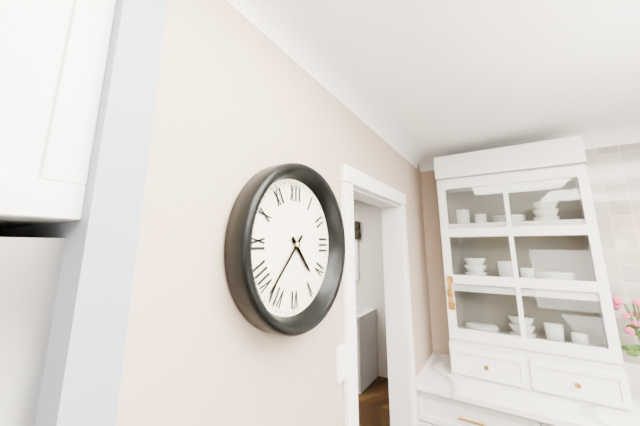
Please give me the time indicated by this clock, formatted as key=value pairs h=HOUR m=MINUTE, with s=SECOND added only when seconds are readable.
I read h=4 m=37
